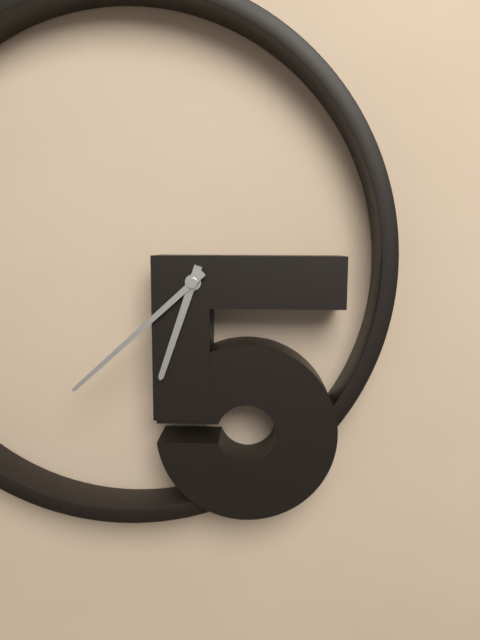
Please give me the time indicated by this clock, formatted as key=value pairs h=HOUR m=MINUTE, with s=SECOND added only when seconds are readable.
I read h=6 m=38
